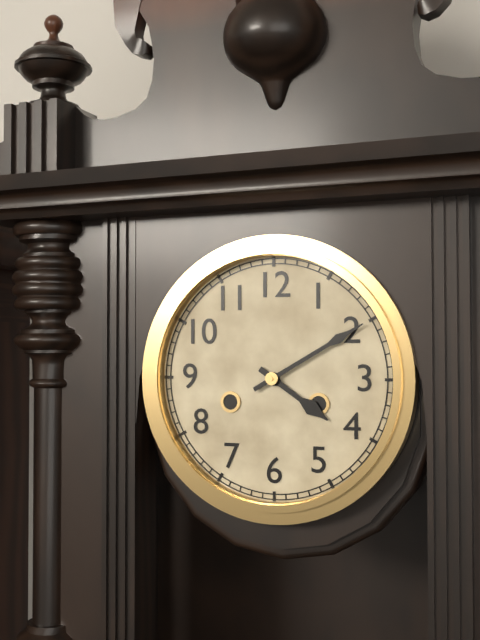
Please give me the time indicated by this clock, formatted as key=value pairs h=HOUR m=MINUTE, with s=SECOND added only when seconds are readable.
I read h=4 m=10
